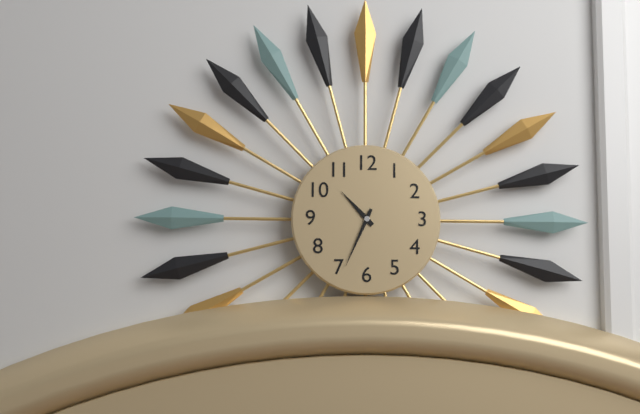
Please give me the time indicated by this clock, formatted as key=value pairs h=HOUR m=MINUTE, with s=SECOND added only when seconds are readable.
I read h=10 m=34
